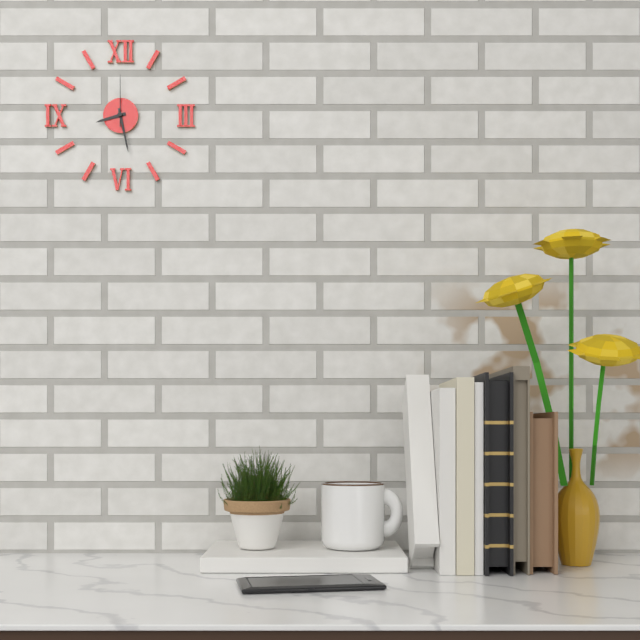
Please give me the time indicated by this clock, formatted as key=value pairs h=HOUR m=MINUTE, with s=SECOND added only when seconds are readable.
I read h=8 m=28 s=0
